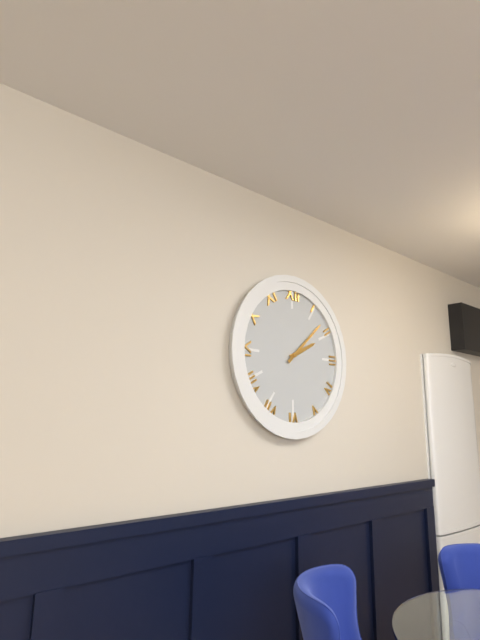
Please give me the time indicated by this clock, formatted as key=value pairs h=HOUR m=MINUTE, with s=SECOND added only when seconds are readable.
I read h=2 m=8
